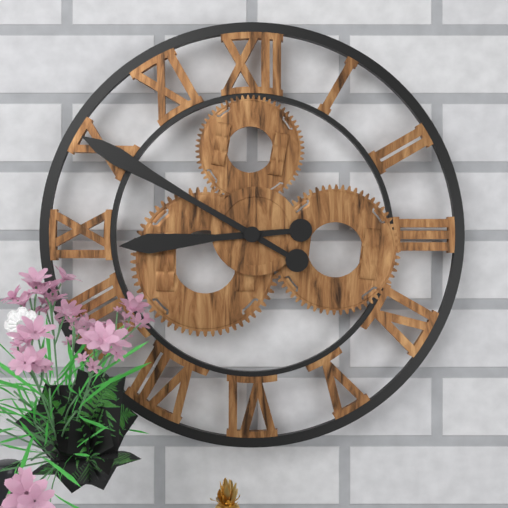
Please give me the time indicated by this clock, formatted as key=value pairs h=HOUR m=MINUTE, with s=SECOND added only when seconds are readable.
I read h=8 m=50
